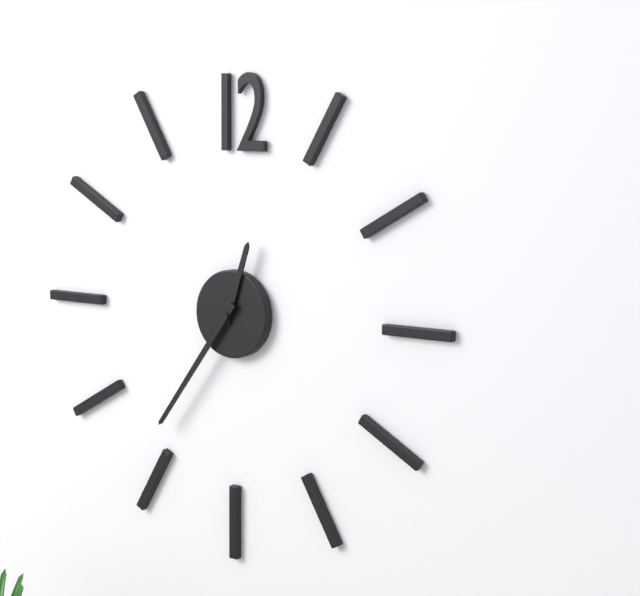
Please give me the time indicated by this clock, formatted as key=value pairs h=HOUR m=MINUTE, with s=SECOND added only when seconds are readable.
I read h=12 m=36
